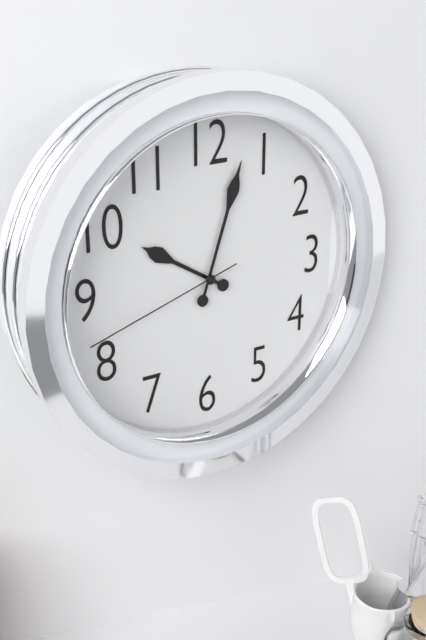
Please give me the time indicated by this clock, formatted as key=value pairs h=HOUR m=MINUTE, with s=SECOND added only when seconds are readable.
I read h=10 m=3 s=42
